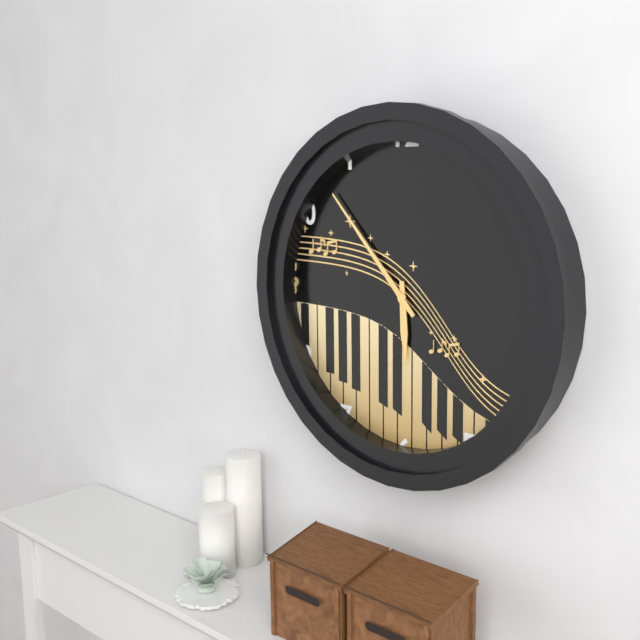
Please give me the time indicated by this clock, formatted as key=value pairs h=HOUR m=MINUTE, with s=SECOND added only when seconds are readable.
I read h=5 m=53
